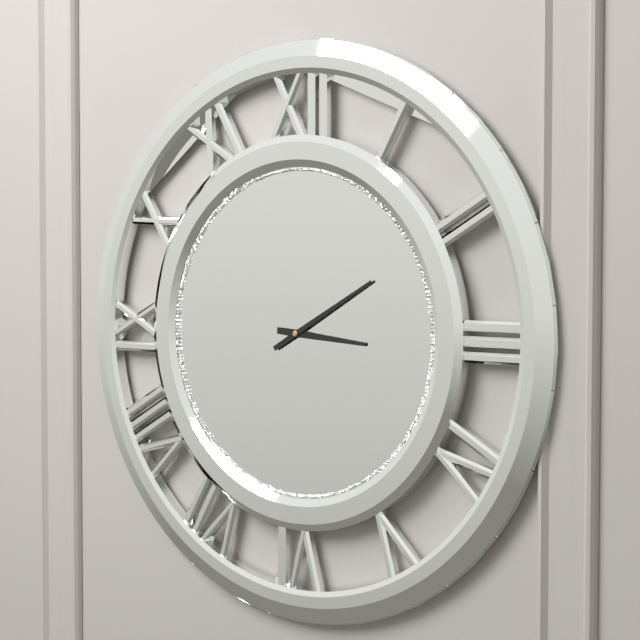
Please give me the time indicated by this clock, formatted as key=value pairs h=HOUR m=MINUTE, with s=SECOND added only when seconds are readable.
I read h=3 m=10
